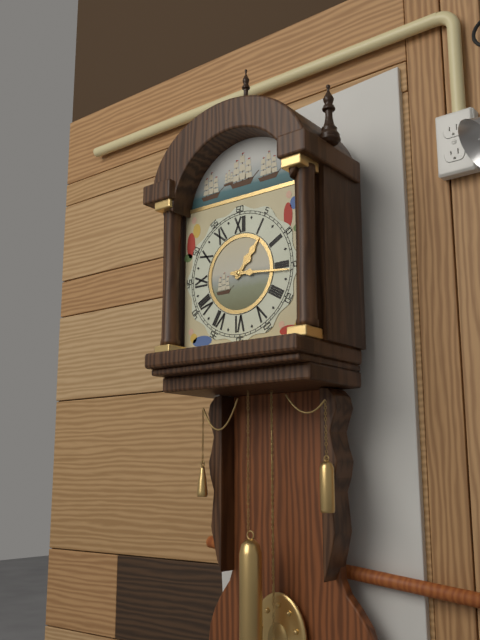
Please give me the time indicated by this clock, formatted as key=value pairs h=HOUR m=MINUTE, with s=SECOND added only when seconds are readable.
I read h=1 m=16
